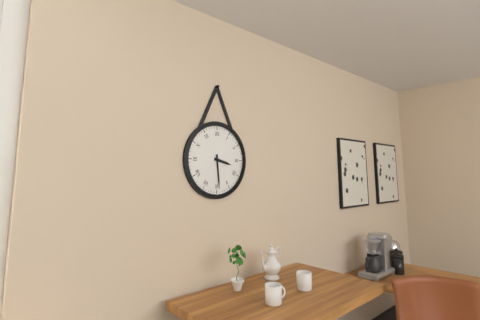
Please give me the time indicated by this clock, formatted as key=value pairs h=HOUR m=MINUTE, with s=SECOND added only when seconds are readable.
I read h=3 m=29
